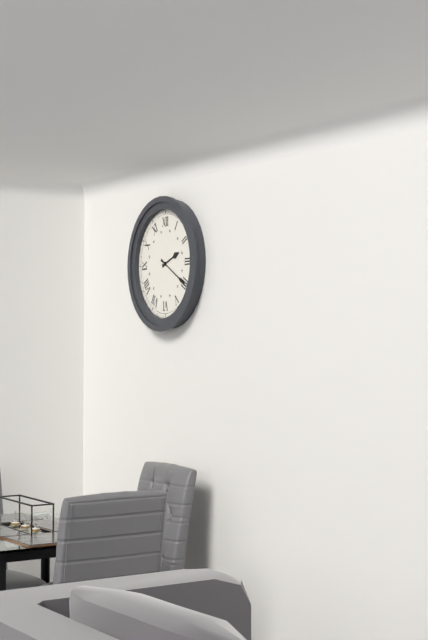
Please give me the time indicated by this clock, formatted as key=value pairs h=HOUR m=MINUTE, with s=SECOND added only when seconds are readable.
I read h=2 m=20
